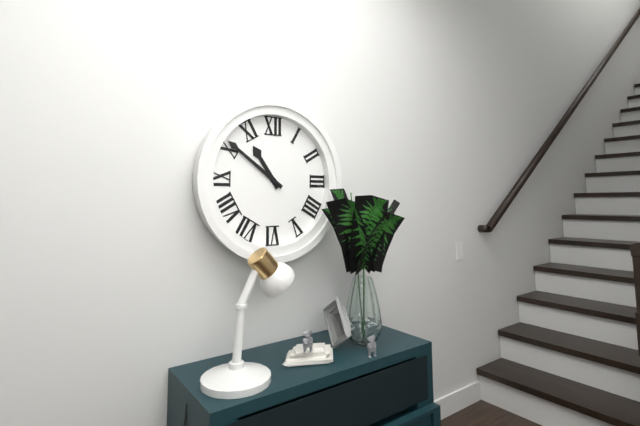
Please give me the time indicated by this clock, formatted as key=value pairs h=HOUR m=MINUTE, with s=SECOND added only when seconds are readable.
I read h=10 m=51
